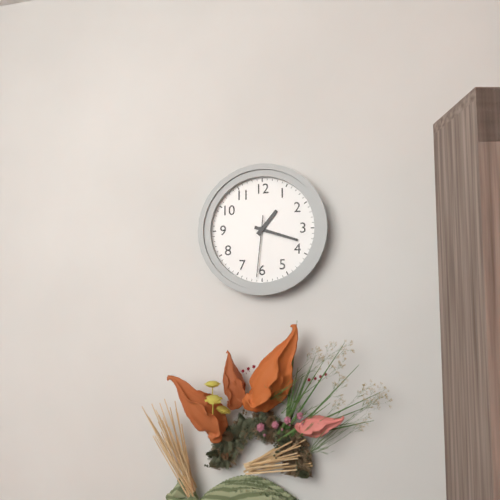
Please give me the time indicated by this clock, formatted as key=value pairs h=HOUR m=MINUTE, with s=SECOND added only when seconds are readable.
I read h=1 m=18 s=31
